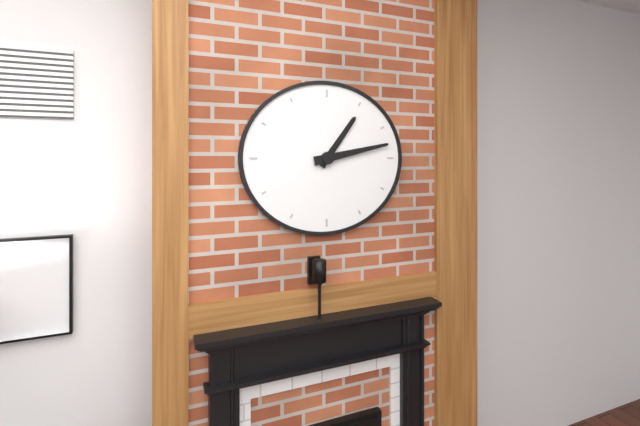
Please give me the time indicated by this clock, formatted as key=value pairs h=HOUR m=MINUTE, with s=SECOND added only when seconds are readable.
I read h=1 m=13
